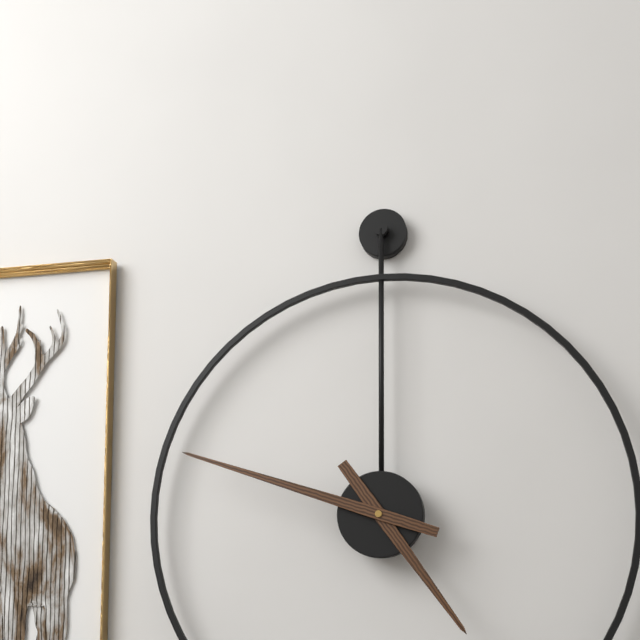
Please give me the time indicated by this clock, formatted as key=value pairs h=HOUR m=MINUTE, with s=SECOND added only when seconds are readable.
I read h=4 m=48
